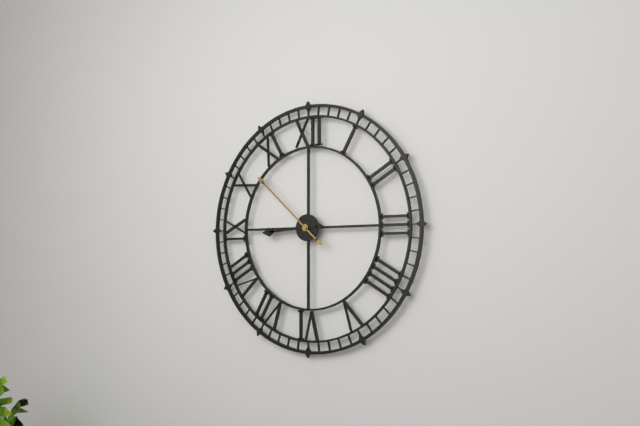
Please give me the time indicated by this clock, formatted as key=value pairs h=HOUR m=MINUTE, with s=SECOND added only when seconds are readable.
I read h=8 m=52
